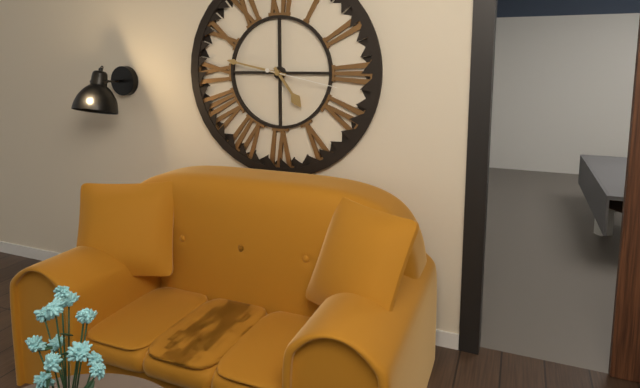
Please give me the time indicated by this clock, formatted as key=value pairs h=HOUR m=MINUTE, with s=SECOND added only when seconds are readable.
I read h=4 m=47 s=17
